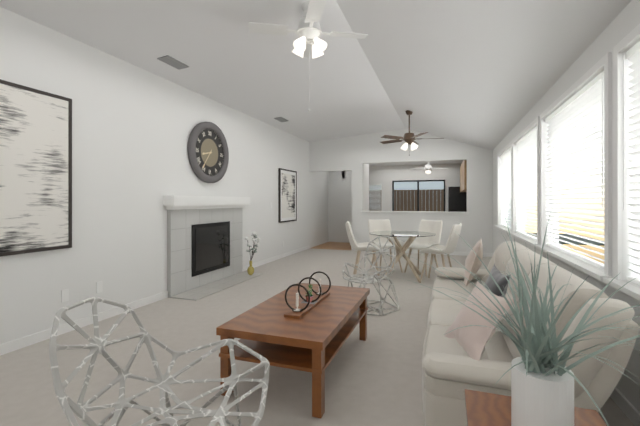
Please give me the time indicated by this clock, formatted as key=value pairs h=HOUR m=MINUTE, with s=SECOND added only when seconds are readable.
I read h=8 m=36
